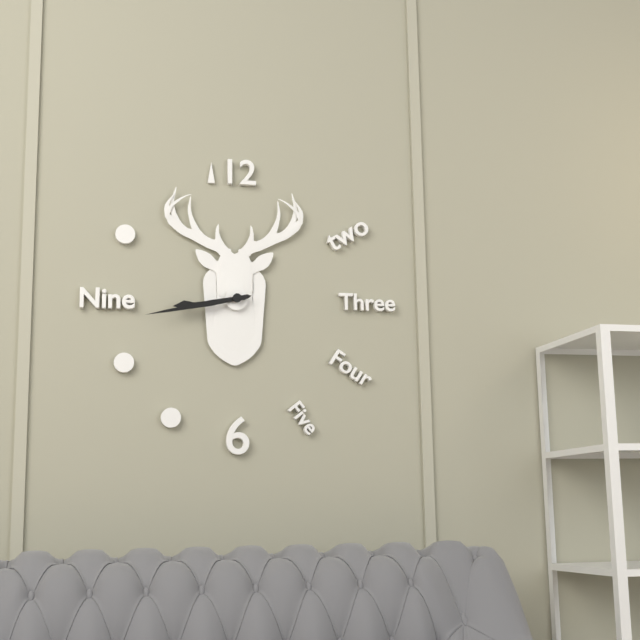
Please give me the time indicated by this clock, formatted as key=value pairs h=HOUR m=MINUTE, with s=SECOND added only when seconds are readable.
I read h=8 m=43
